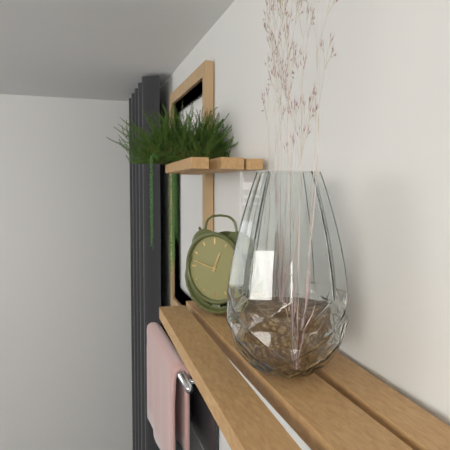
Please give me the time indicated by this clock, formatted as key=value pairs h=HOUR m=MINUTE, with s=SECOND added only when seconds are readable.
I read h=12 m=47
